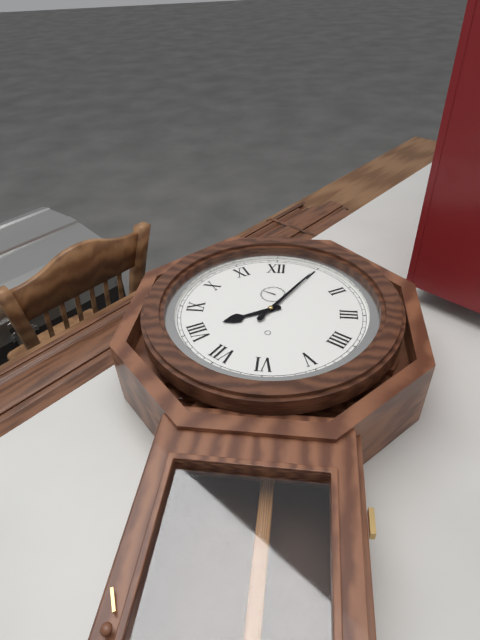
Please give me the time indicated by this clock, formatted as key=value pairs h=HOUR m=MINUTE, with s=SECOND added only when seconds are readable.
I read h=8 m=5
